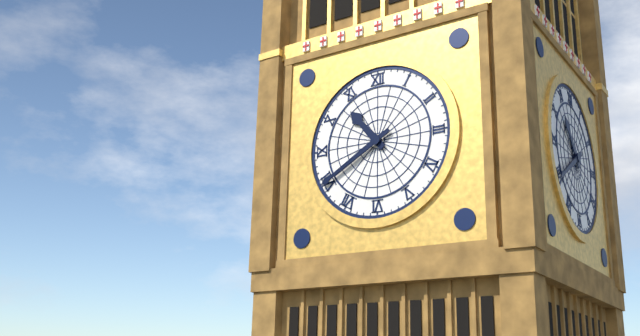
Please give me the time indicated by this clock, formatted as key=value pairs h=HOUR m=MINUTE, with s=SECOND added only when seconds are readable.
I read h=10 m=40
